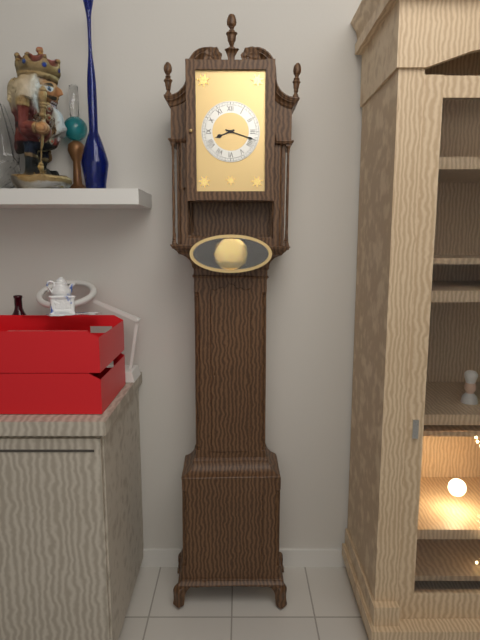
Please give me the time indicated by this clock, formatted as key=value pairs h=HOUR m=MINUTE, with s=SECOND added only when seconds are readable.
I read h=8 m=18
